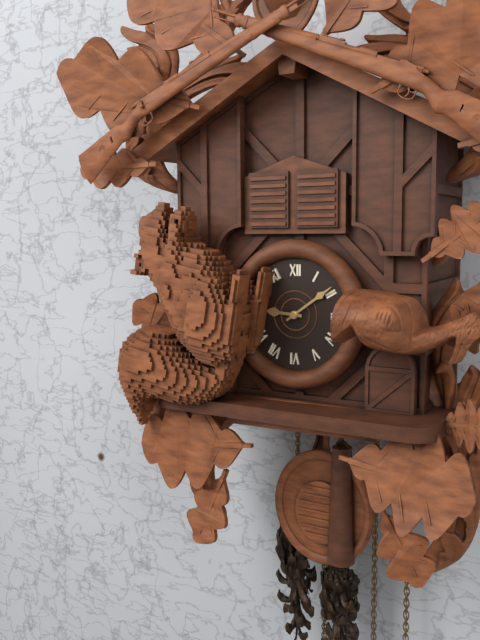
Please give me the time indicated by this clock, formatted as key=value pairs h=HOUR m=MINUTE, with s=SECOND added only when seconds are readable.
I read h=9 m=9
